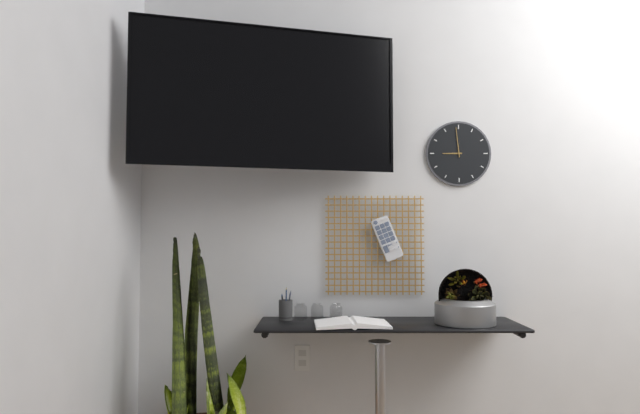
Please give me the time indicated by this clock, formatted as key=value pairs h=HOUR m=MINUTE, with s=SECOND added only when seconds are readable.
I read h=8 m=59
